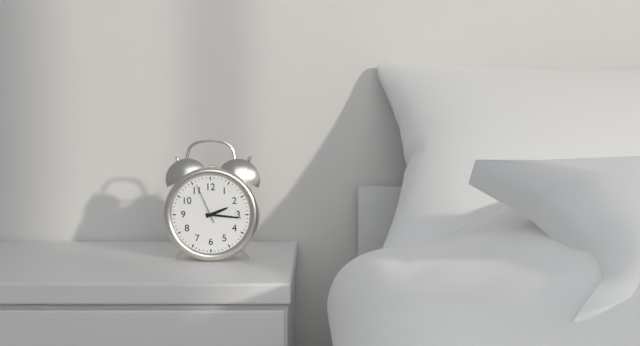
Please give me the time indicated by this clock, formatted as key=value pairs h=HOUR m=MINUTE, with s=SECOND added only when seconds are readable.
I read h=2 m=16
